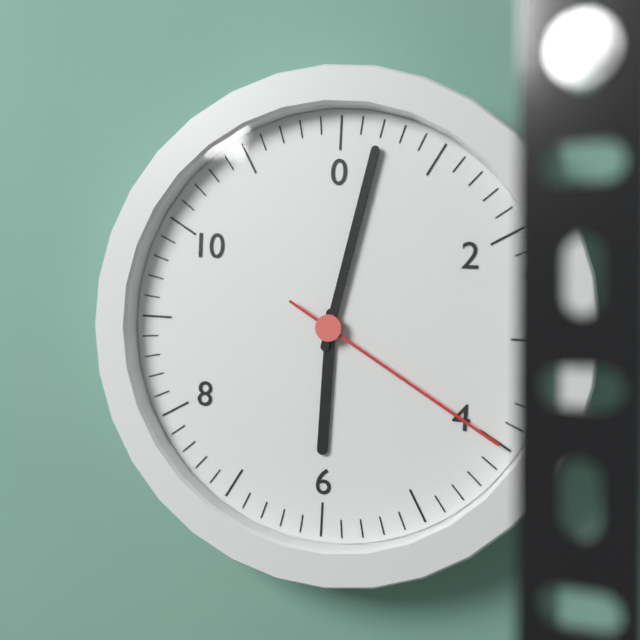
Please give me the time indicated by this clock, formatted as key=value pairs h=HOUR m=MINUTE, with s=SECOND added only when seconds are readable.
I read h=6 m=2 s=20
